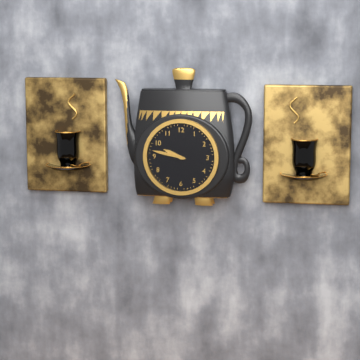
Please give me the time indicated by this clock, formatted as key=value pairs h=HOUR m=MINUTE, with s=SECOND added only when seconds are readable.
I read h=9 m=47
